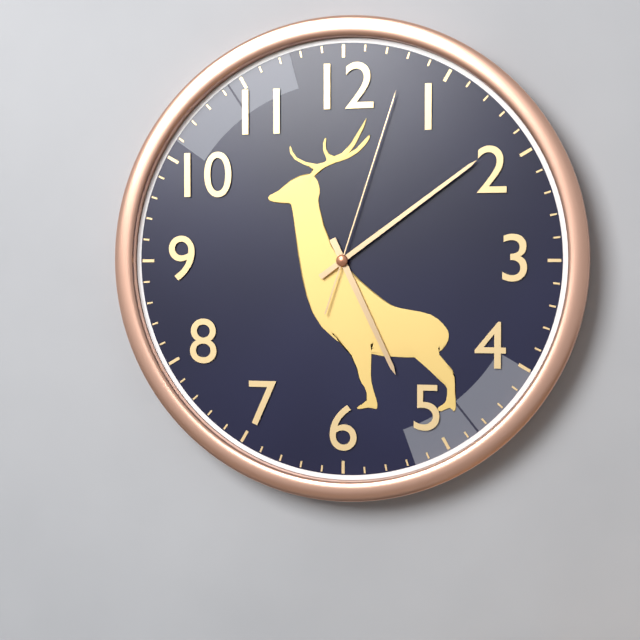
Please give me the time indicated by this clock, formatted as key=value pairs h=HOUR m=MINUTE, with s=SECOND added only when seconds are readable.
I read h=5 m=9 s=3
